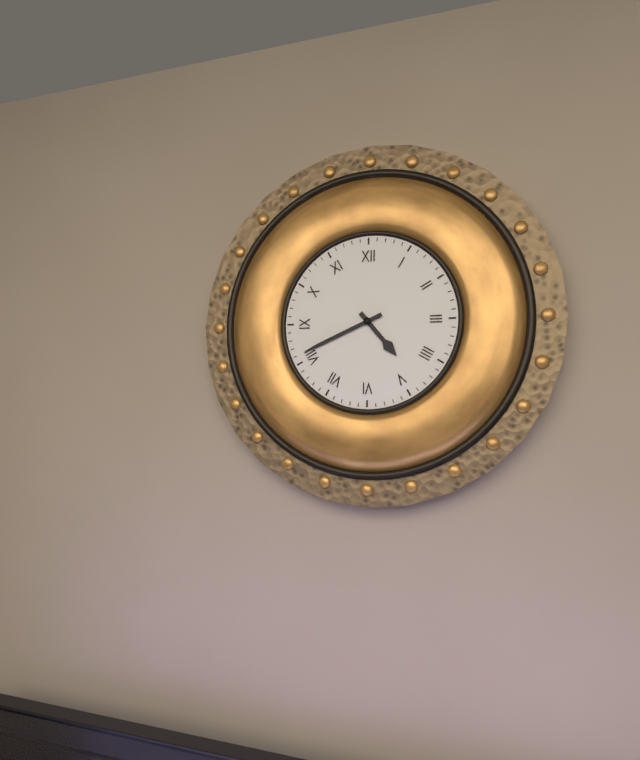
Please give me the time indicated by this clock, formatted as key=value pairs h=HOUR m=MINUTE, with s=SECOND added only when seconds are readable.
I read h=4 m=41
